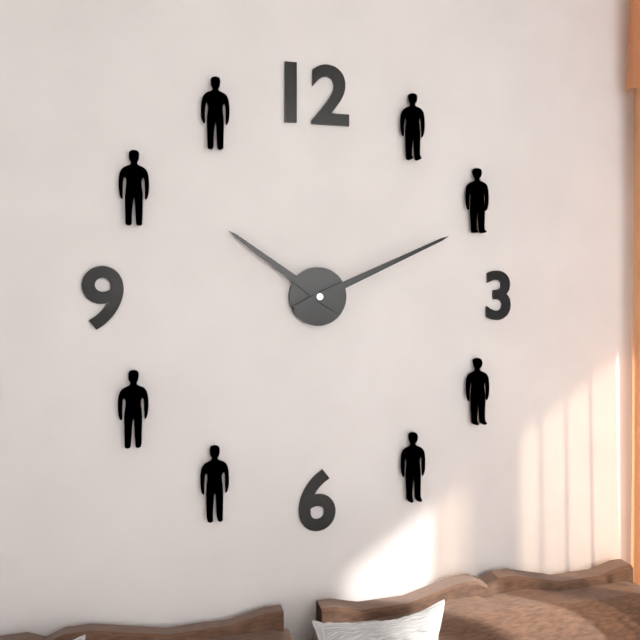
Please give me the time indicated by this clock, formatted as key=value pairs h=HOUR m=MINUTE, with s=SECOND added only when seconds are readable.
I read h=10 m=11
